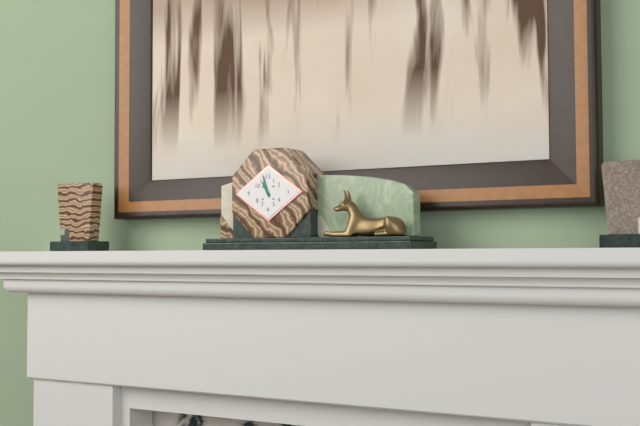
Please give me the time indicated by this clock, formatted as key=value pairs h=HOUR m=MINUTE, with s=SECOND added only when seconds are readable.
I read h=10 m=57
